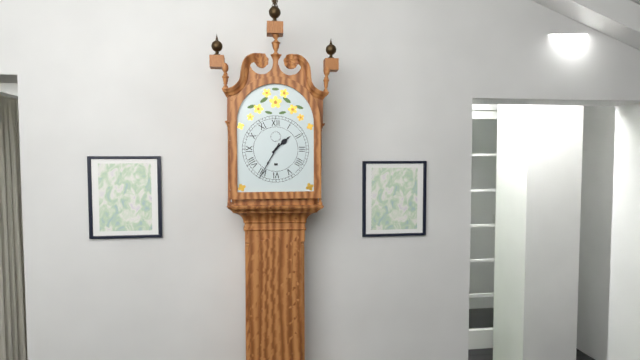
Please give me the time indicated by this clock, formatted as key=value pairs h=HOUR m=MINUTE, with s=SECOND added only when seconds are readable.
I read h=1 m=35
